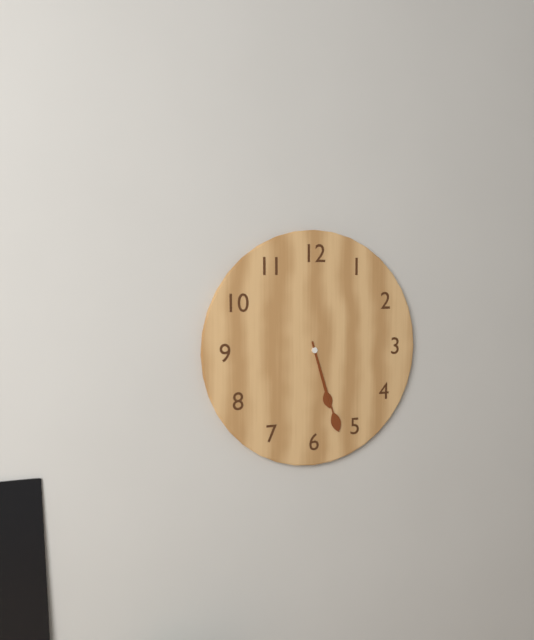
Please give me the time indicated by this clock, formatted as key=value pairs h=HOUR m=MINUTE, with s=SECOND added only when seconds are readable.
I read h=5 m=27
